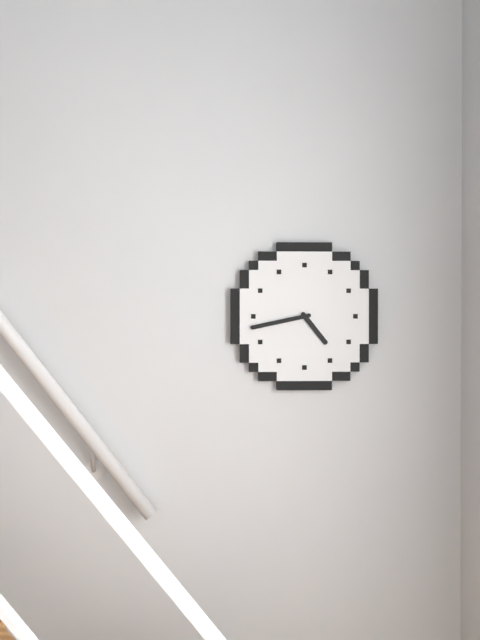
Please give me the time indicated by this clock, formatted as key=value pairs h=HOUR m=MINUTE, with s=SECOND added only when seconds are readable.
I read h=4 m=43
